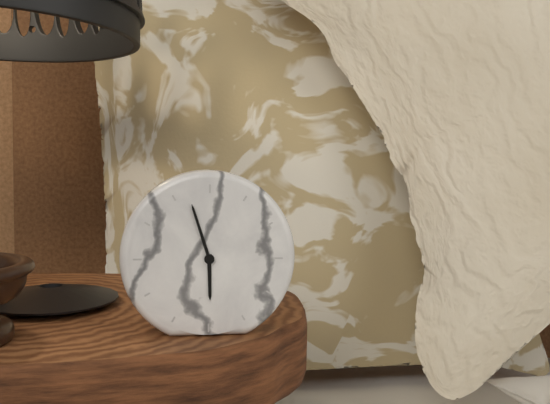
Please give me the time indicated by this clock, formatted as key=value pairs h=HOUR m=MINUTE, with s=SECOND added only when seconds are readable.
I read h=5 m=57
